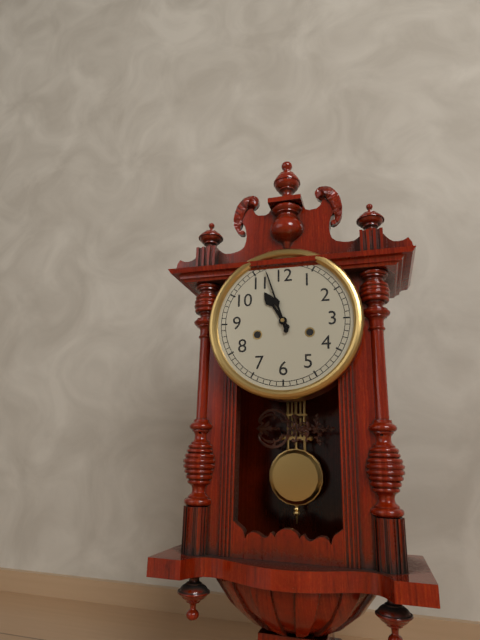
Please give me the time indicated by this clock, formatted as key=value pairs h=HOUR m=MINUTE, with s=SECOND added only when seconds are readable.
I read h=10 m=57
